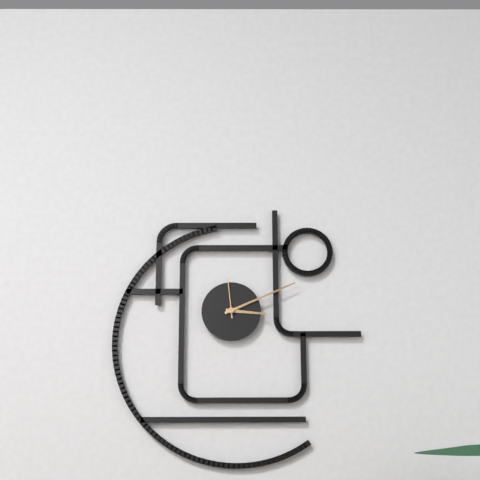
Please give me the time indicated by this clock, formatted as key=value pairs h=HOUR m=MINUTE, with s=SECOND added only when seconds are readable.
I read h=3 m=11
